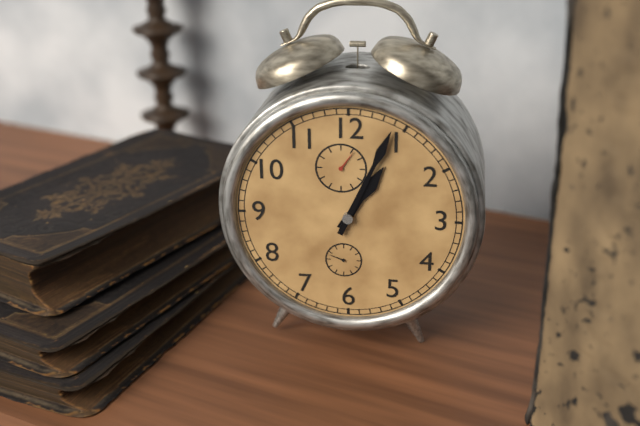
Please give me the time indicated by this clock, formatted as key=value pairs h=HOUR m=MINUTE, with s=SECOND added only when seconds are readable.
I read h=1 m=4
